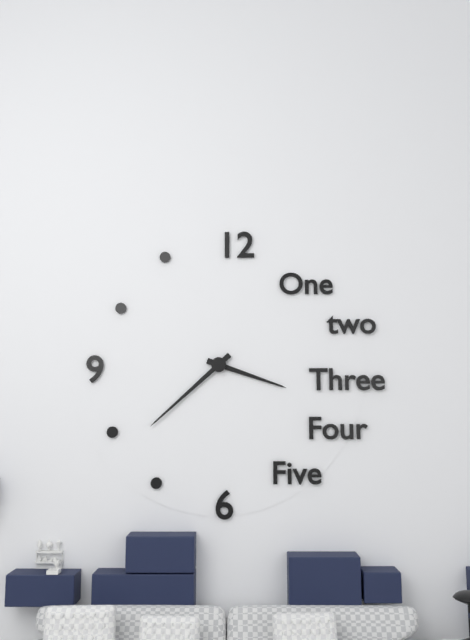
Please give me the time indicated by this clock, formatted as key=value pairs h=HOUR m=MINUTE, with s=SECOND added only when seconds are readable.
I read h=3 m=38
